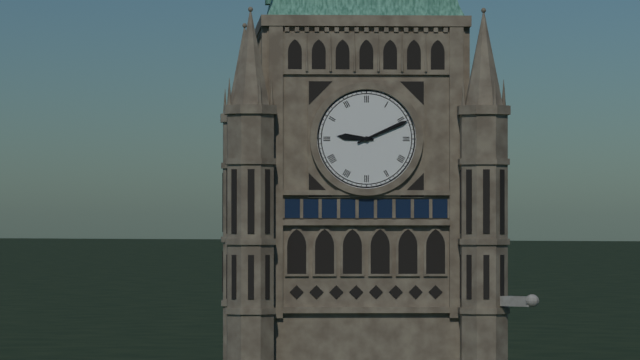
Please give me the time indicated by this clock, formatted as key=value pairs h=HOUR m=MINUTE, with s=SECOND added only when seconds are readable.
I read h=9 m=11
